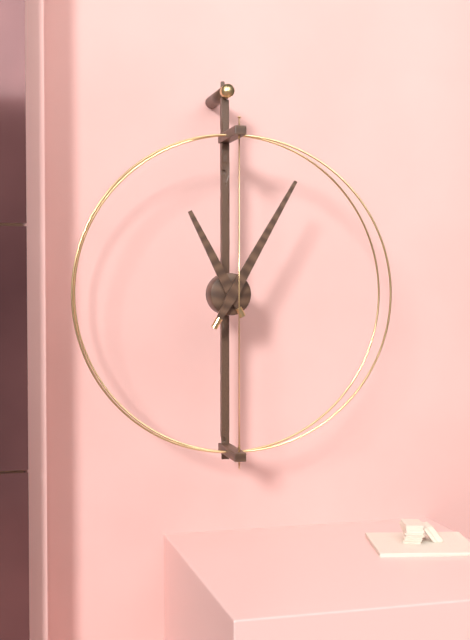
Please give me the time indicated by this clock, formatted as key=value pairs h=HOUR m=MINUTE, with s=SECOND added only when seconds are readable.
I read h=11 m=5
